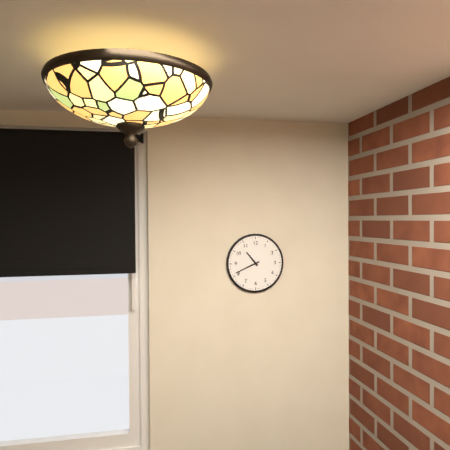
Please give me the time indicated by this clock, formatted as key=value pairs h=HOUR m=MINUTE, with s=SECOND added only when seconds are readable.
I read h=10 m=41
